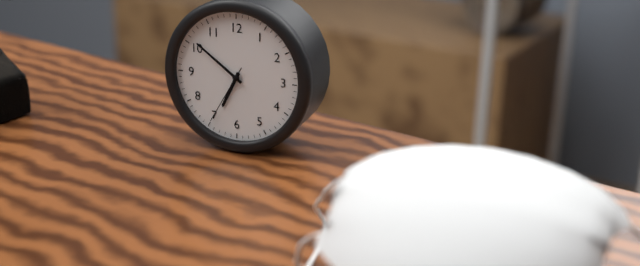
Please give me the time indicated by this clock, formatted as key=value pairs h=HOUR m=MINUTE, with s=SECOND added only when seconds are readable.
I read h=6 m=51 s=35
